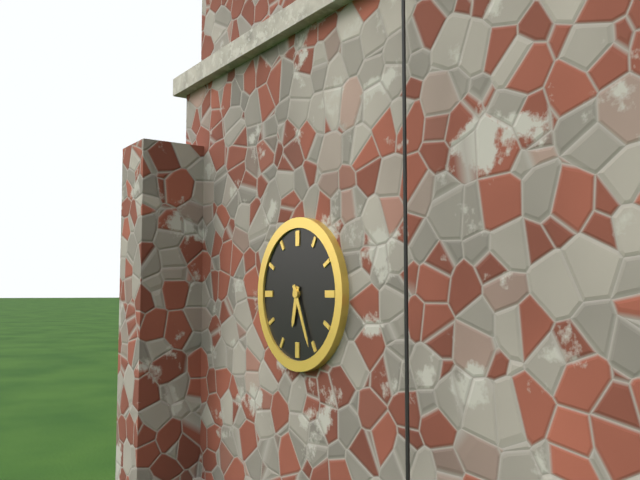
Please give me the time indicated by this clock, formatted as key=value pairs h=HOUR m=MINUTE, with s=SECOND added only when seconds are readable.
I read h=6 m=26
